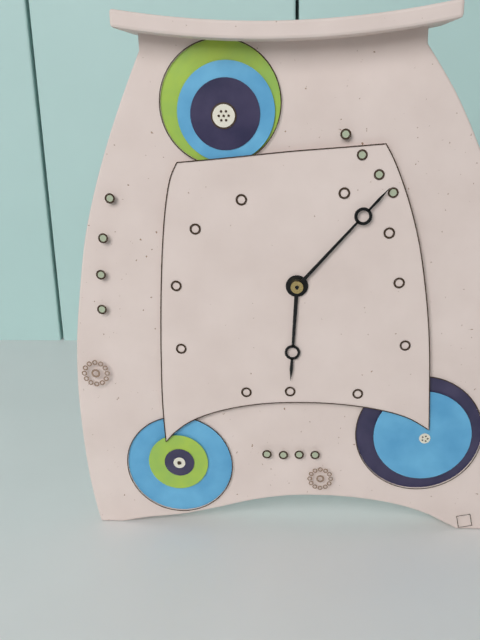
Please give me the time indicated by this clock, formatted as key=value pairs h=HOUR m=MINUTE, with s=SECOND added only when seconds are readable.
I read h=6 m=7
